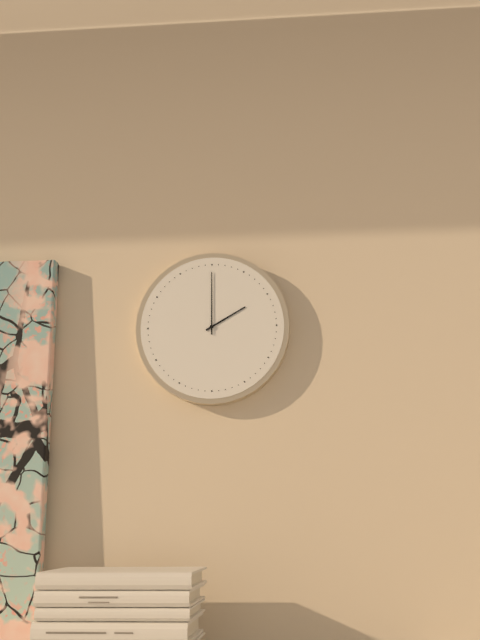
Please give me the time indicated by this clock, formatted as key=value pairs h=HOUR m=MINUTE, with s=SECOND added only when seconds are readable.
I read h=2 m=0
